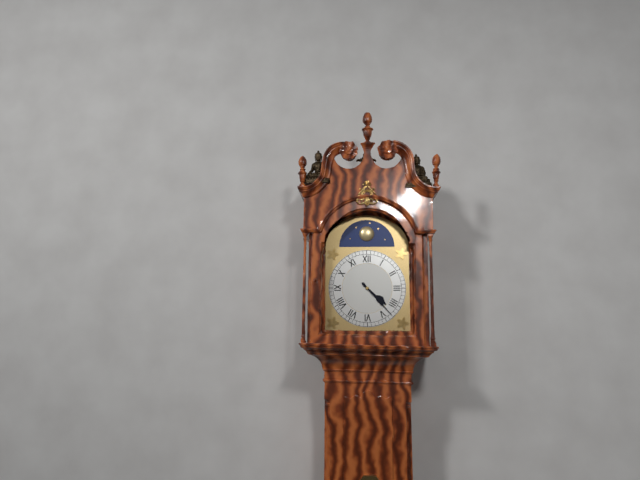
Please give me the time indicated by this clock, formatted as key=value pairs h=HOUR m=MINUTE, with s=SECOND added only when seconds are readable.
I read h=4 m=23
